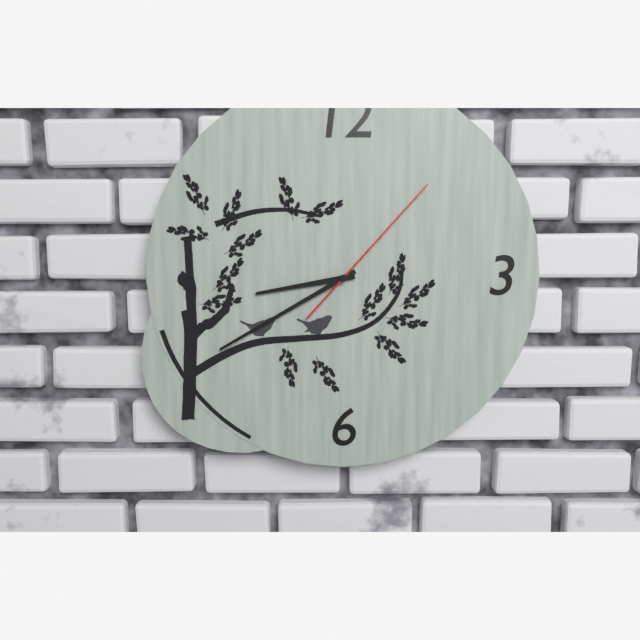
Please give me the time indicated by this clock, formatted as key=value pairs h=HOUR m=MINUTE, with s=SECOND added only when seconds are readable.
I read h=8 m=40 s=7
